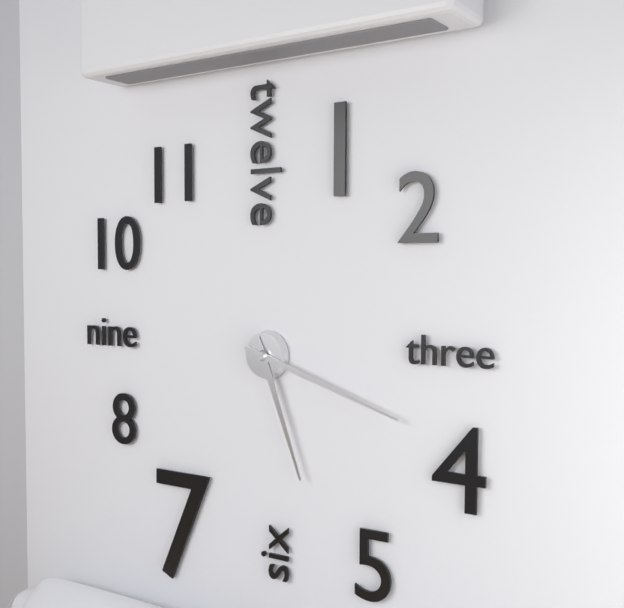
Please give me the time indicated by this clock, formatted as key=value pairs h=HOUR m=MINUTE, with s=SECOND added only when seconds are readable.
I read h=5 m=18
